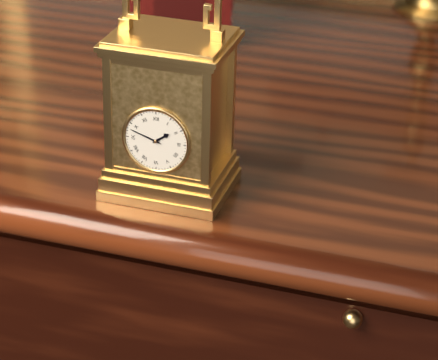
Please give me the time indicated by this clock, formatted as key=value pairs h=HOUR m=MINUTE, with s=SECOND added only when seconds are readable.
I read h=1 m=48
